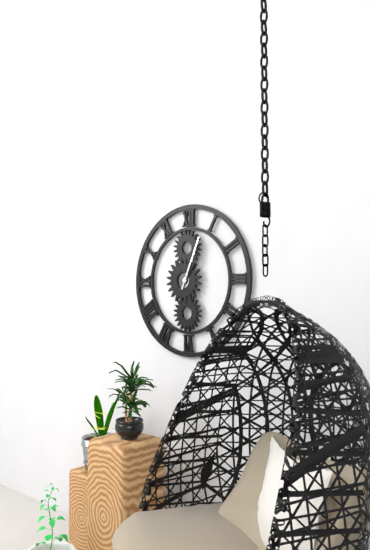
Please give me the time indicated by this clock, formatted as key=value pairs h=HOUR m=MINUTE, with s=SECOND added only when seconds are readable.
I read h=1 m=4
